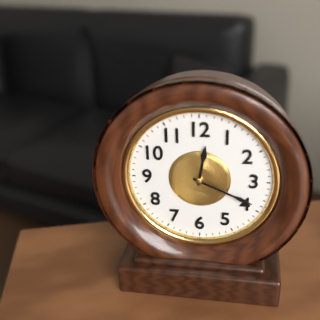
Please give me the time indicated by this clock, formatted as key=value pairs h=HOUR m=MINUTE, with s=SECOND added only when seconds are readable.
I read h=12 m=19
